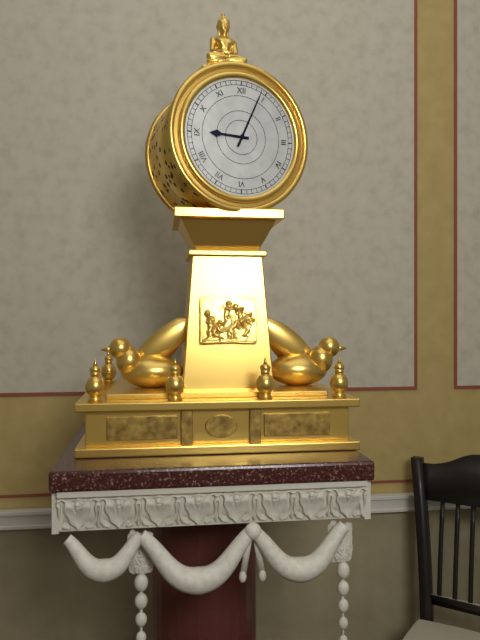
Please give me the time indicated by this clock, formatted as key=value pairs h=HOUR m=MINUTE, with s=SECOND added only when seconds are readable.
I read h=9 m=4
